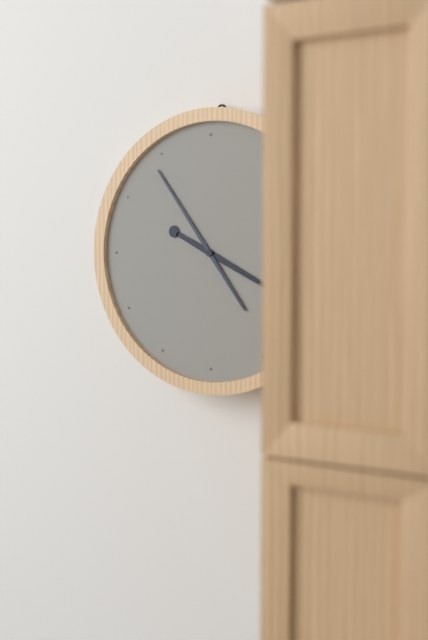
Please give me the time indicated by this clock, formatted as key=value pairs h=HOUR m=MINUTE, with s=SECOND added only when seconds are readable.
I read h=3 m=54
